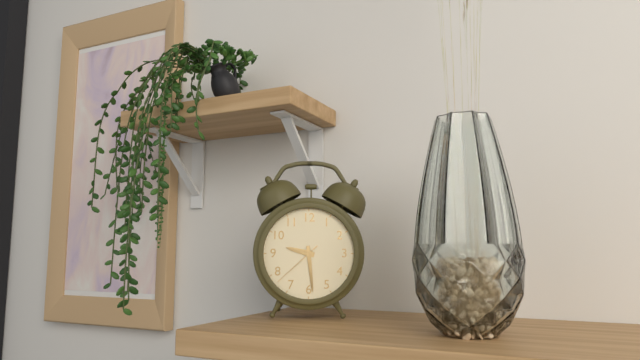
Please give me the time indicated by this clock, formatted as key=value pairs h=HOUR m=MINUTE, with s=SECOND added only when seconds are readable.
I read h=9 m=29 s=38
